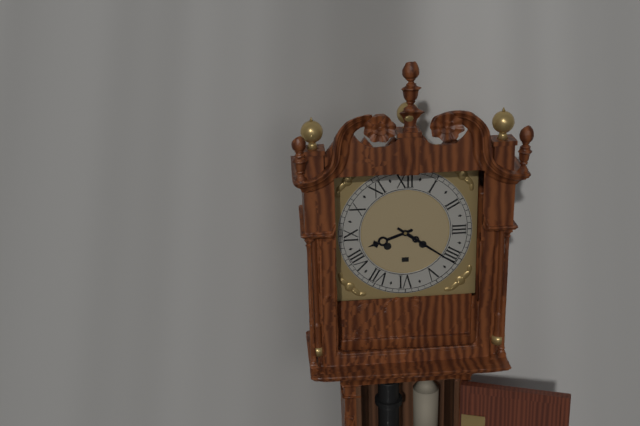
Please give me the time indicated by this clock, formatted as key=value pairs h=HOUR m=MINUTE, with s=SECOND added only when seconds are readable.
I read h=8 m=21
